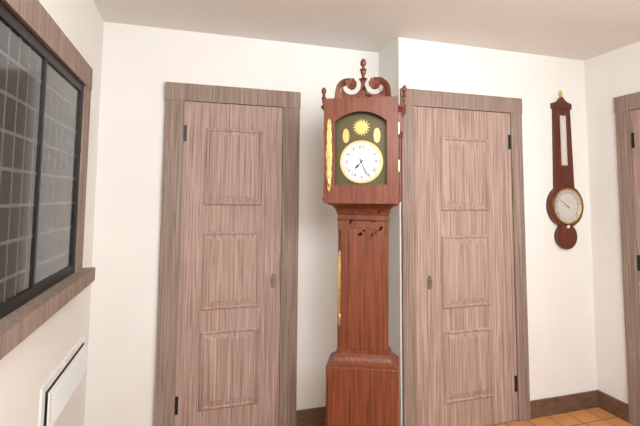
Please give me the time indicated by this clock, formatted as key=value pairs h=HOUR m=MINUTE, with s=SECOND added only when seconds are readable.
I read h=7 m=26
